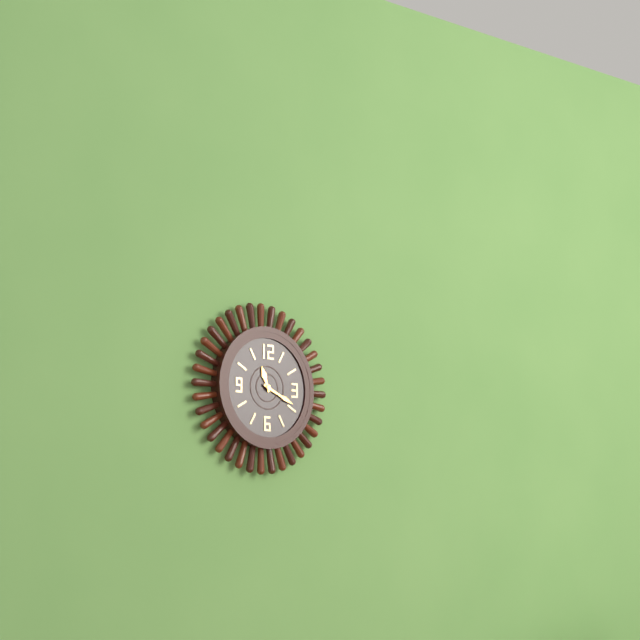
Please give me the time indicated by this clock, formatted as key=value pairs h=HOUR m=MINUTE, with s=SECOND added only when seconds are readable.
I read h=11 m=19
